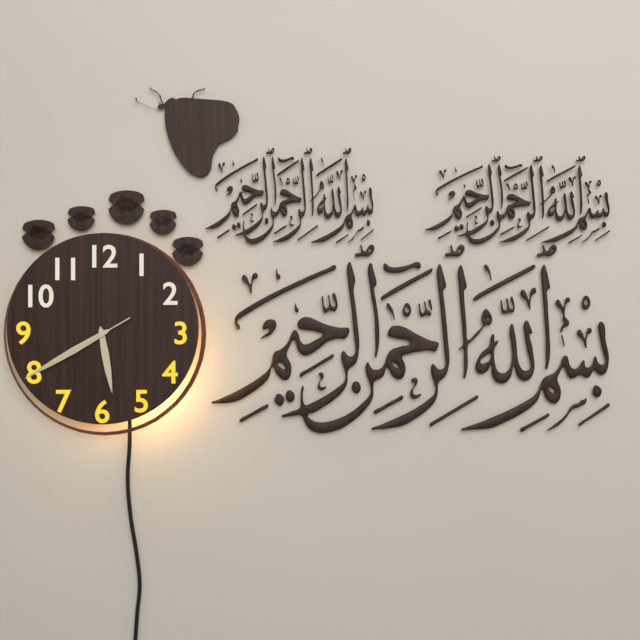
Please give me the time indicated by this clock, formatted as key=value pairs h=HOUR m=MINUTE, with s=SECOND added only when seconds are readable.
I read h=5 m=40 s=40
